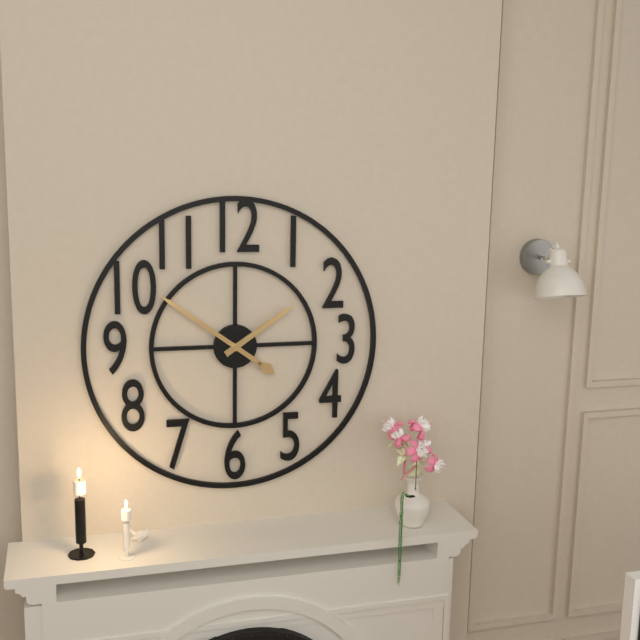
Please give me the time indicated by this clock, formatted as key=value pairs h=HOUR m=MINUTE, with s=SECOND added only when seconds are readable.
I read h=1 m=51
